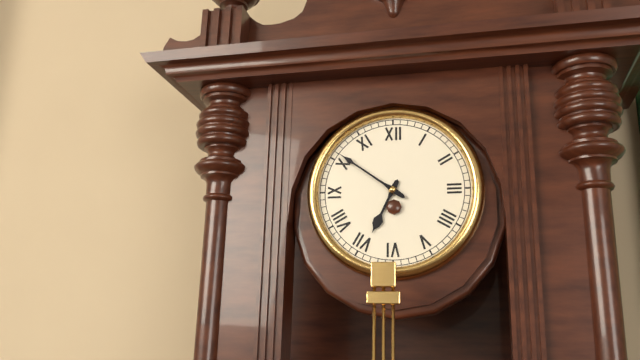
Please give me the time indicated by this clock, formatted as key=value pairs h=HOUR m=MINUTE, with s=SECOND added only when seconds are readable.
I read h=6 m=51
